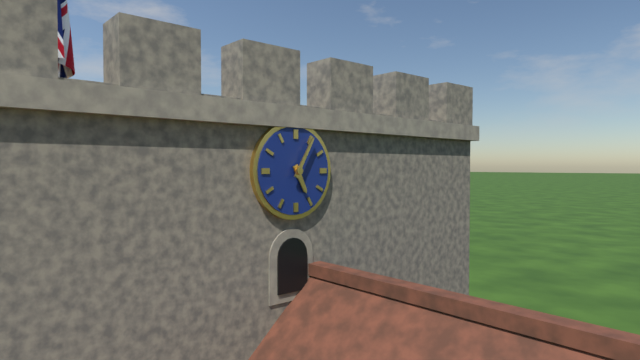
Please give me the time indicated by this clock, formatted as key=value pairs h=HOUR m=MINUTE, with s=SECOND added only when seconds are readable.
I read h=5 m=5
